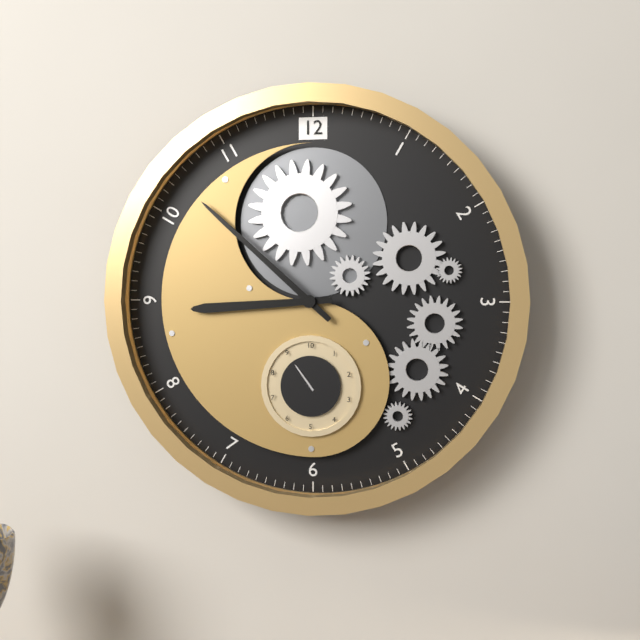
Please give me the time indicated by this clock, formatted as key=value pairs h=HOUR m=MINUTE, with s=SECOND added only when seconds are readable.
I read h=8 m=52
